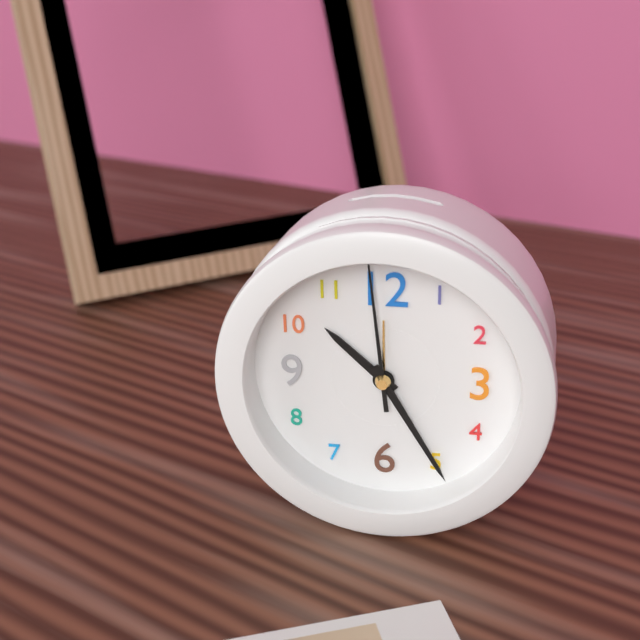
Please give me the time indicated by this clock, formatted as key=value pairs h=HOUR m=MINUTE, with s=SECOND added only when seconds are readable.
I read h=10 m=25 s=59
